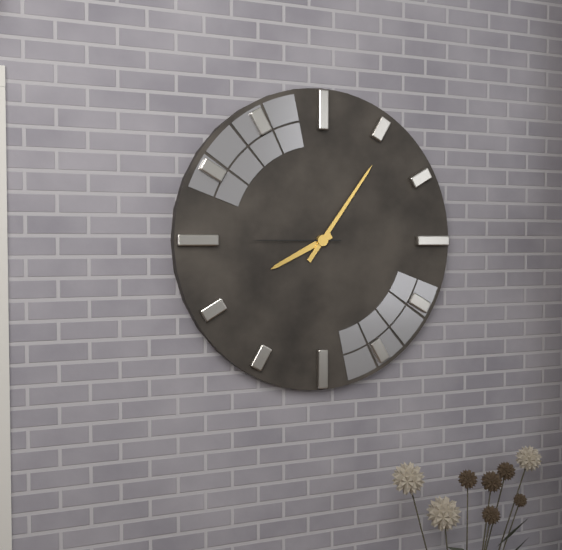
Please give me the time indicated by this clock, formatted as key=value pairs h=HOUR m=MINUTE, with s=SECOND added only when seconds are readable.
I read h=8 m=6 s=45
